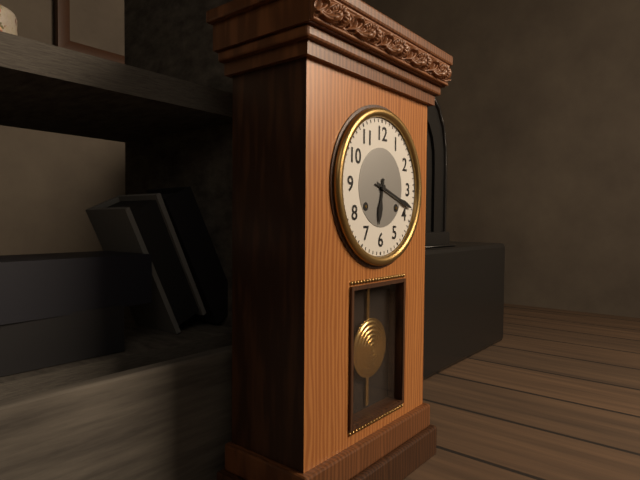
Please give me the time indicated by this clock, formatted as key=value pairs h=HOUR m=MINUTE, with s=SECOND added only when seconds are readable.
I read h=6 m=18
